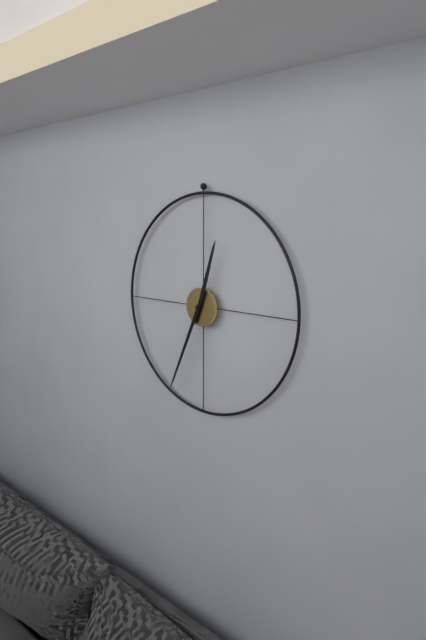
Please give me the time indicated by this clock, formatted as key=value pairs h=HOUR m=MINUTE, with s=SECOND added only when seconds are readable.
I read h=12 m=34
